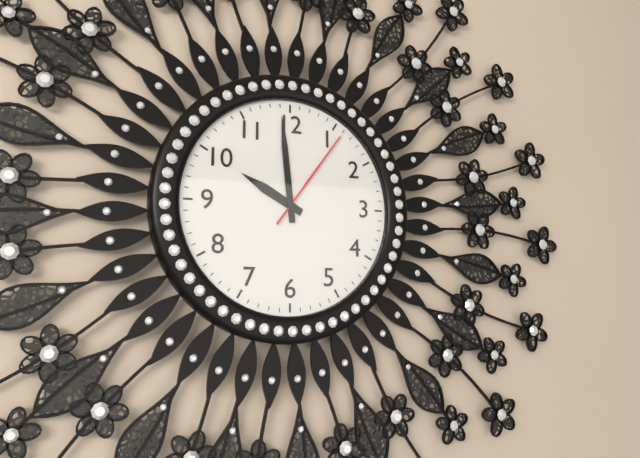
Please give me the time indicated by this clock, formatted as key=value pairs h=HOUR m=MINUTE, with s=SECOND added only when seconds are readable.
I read h=9 m=59 s=6
